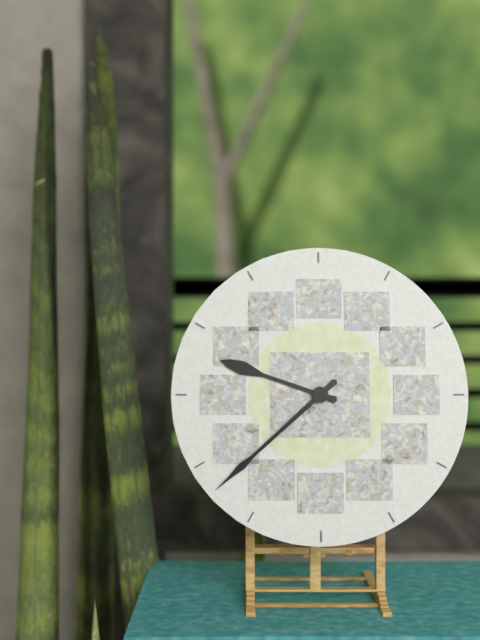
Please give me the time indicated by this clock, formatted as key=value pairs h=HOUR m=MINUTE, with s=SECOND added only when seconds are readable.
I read h=9 m=38
